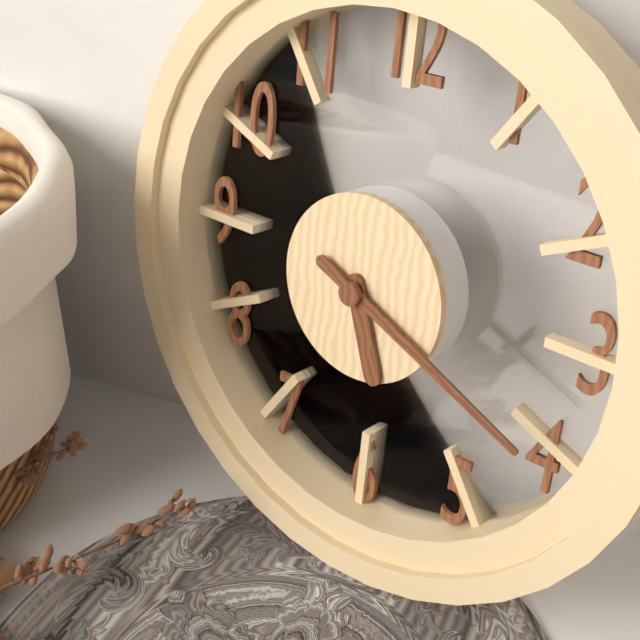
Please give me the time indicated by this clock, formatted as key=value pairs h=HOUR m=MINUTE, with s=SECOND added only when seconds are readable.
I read h=5 m=19
